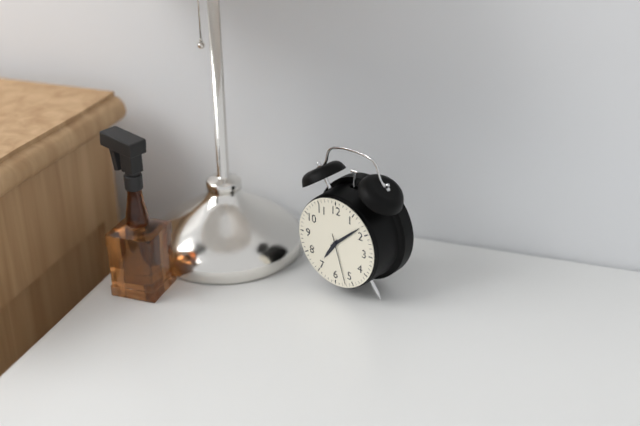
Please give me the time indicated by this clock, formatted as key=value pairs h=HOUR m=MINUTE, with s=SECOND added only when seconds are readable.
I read h=7 m=8 s=27
